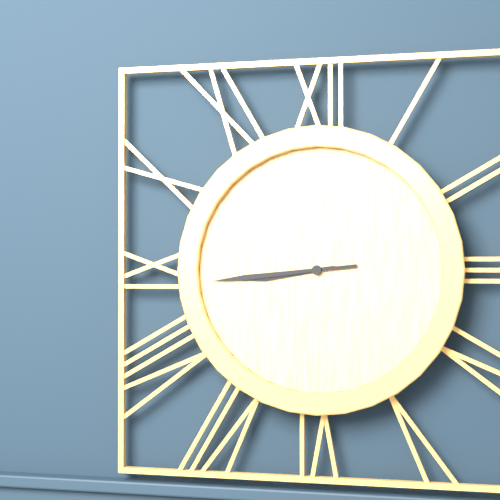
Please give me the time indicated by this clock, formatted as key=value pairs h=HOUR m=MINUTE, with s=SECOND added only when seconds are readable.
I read h=8 m=44
